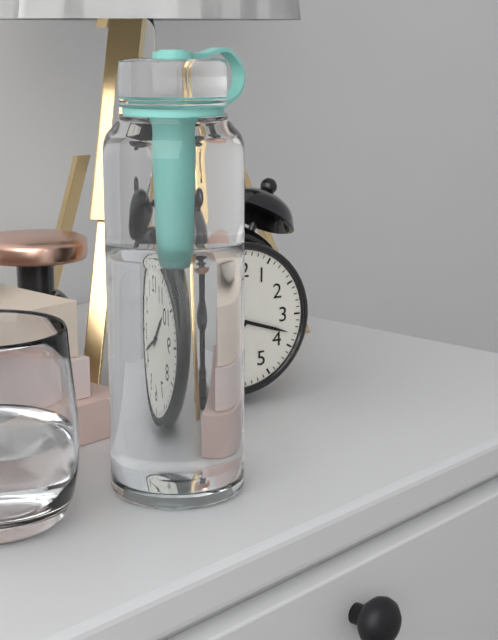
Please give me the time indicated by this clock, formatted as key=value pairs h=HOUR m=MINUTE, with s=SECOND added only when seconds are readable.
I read h=10 m=18
